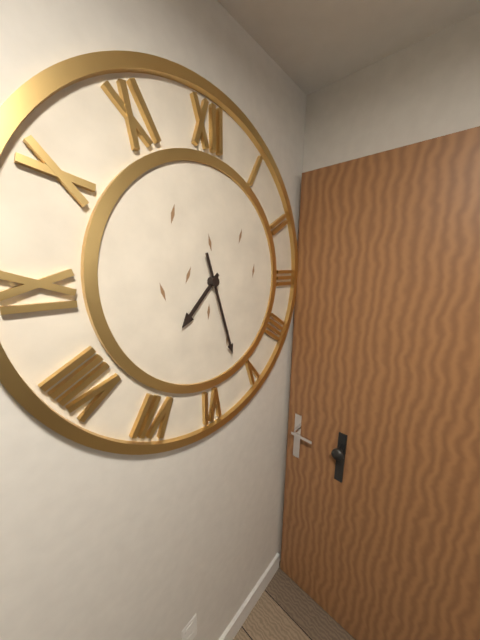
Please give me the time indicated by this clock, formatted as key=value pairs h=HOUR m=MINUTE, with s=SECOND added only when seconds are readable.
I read h=7 m=27
